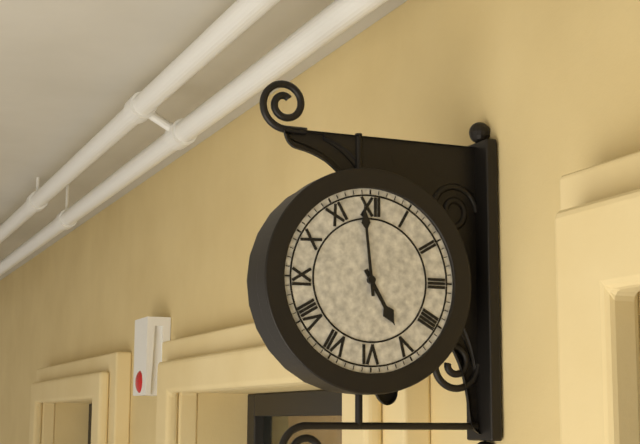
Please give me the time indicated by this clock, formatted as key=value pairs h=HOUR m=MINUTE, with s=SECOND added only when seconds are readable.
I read h=4 m=59
